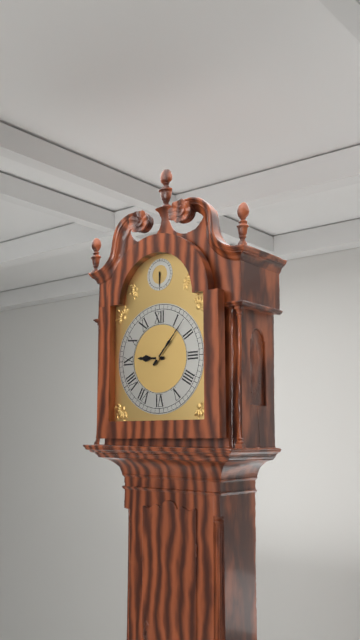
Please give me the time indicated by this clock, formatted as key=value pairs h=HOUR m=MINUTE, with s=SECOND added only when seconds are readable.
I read h=9 m=7
